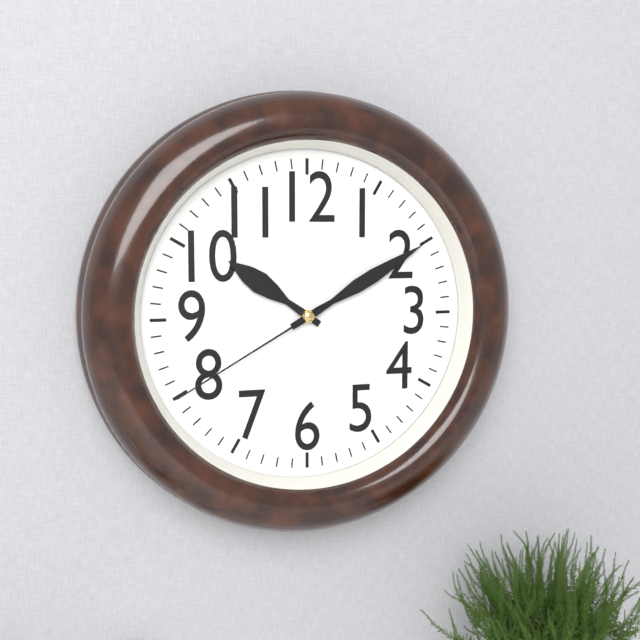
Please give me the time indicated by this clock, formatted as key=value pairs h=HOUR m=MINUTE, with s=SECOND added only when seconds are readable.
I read h=10 m=10 s=40
